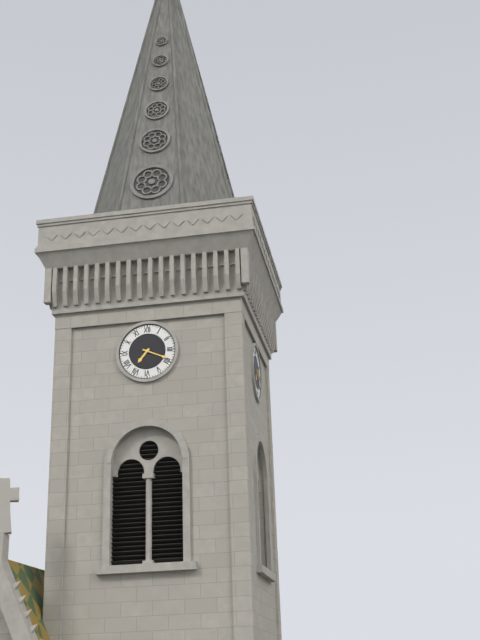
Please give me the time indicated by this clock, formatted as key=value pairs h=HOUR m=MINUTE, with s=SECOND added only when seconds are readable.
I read h=7 m=19
